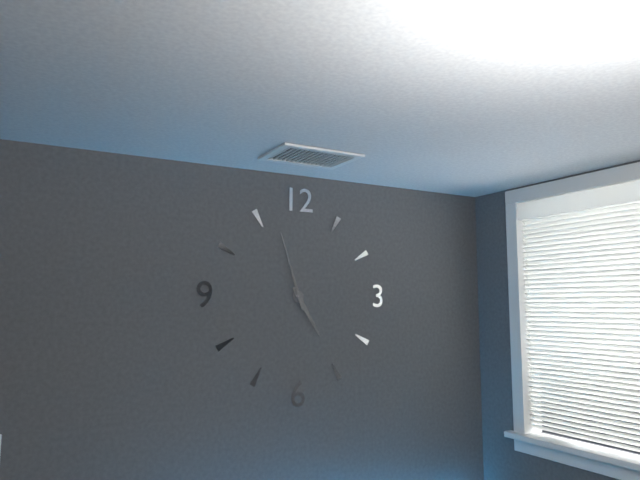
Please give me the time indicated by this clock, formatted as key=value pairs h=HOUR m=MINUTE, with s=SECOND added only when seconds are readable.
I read h=4 m=57
